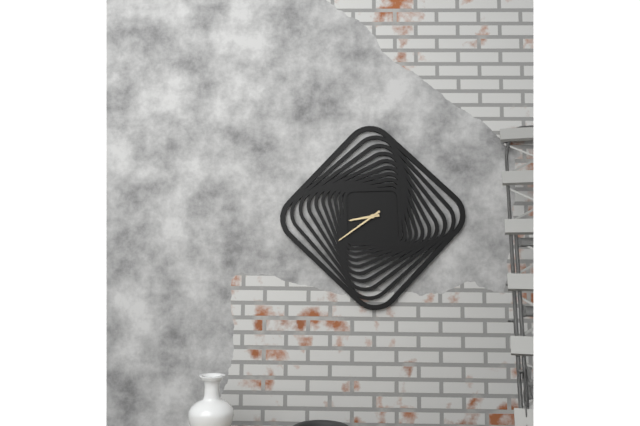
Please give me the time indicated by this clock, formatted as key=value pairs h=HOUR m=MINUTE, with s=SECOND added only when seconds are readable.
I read h=8 m=39
